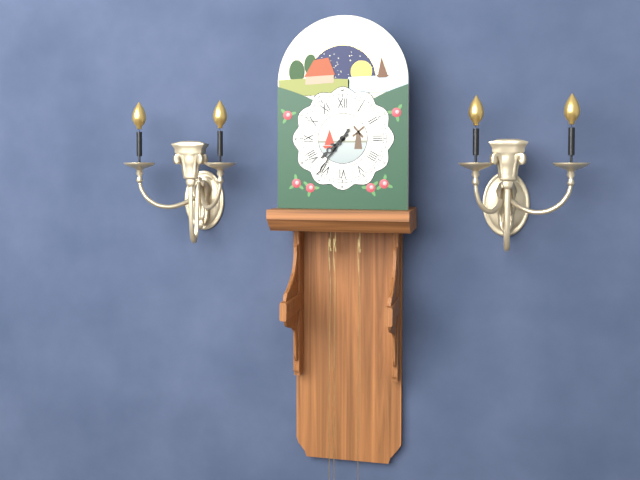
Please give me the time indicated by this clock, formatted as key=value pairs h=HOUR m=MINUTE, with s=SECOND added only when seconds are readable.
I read h=7 m=36
